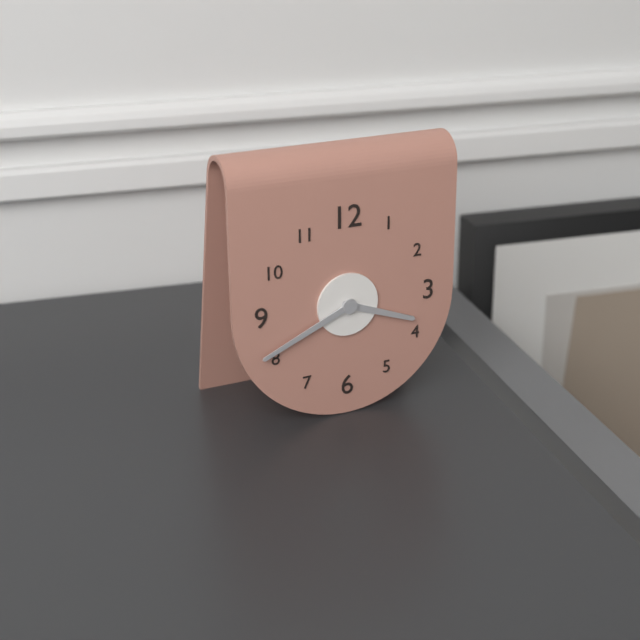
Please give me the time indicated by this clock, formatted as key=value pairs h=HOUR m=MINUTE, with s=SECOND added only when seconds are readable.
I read h=3 m=41
